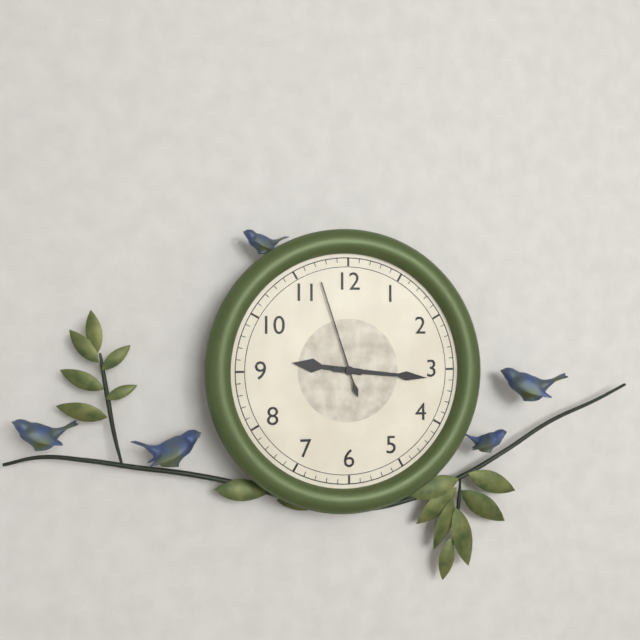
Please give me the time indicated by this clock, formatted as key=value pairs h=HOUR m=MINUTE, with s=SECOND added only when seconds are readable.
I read h=9 m=16 s=57
